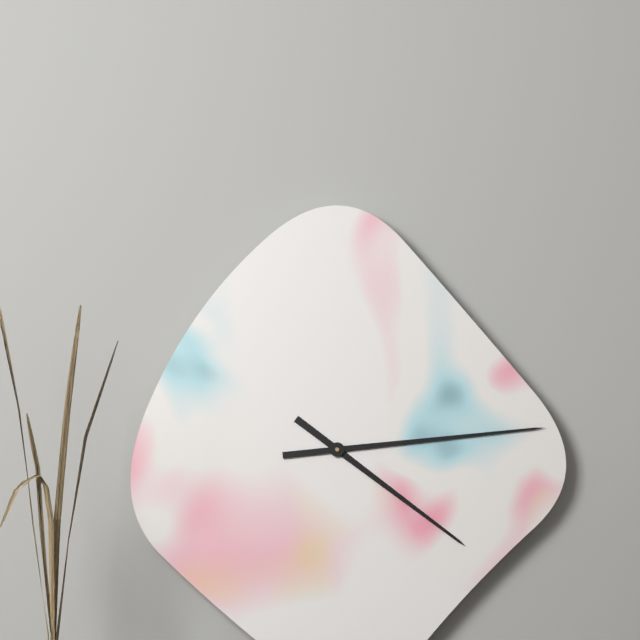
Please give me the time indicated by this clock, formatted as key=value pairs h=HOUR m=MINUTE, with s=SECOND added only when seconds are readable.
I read h=4 m=14
